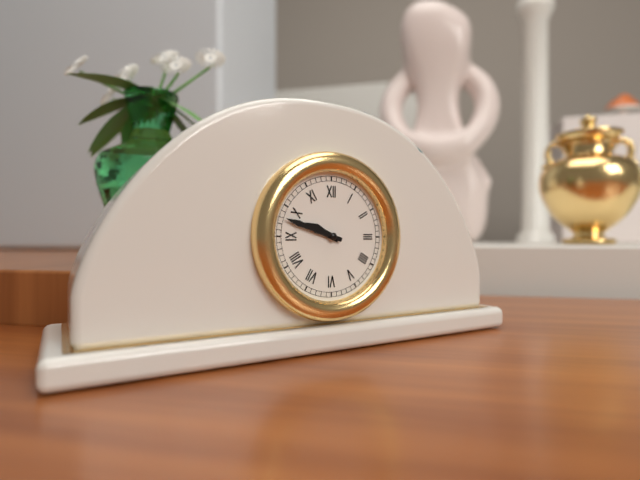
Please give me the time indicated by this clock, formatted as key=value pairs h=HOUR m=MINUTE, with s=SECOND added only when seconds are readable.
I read h=9 m=48
